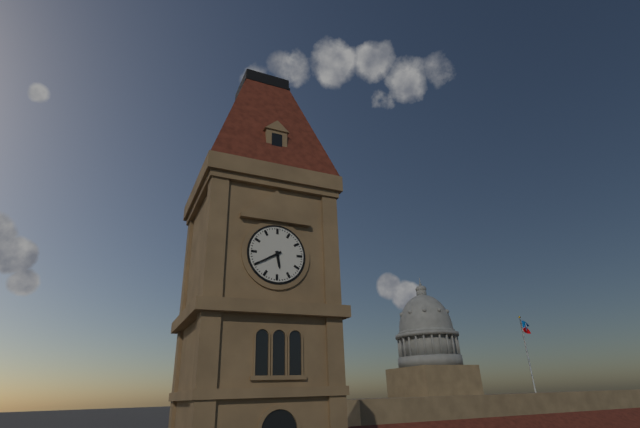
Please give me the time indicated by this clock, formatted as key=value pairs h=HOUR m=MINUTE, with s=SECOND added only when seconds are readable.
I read h=5 m=40
